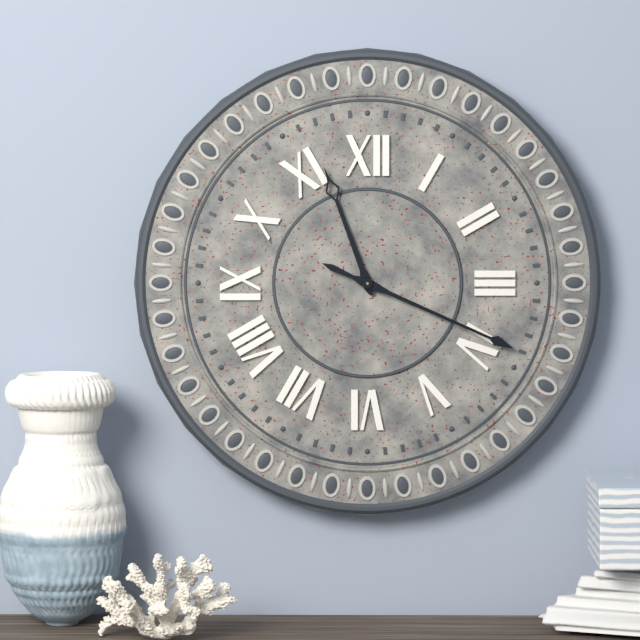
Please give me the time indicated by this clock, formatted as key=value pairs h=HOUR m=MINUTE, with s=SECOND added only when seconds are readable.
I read h=11 m=19
